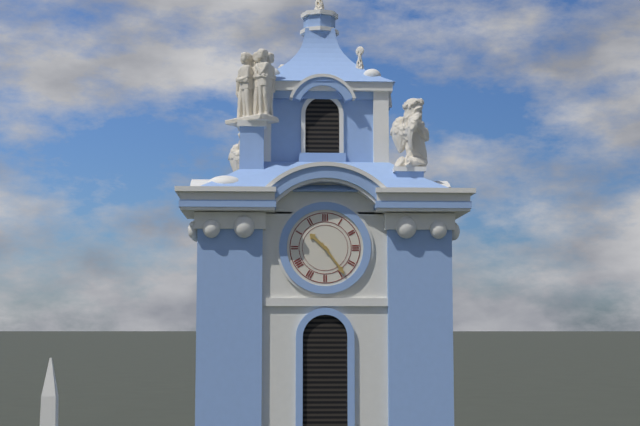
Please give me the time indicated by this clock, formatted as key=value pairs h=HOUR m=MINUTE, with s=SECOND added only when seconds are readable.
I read h=10 m=24
